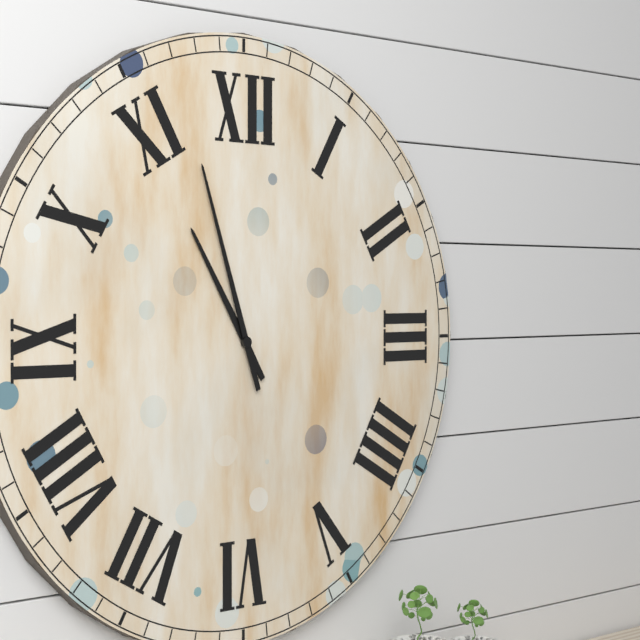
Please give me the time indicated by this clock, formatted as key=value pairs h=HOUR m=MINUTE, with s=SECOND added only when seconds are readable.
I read h=10 m=57
